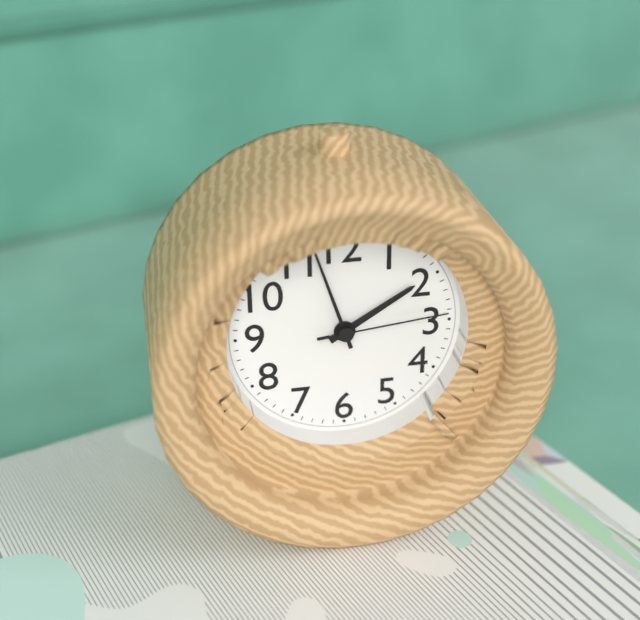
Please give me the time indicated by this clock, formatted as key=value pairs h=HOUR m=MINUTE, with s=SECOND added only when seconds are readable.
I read h=1 m=57 s=14
